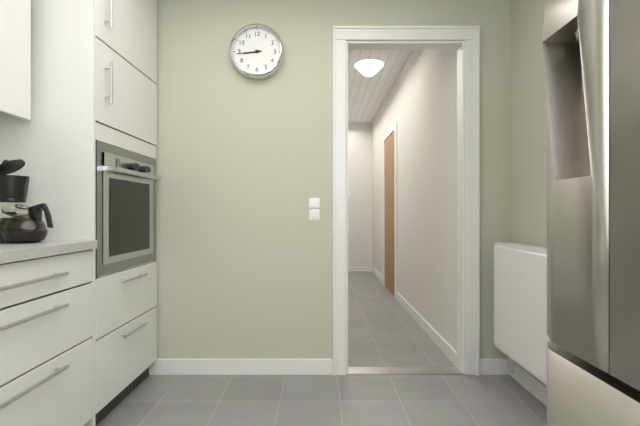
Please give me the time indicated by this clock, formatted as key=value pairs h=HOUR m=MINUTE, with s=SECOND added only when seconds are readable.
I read h=8 m=44
